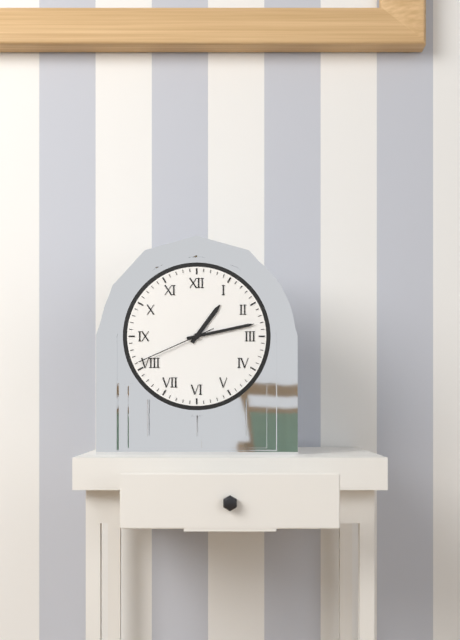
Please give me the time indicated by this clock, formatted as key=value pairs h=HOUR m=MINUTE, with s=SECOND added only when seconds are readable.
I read h=1 m=13 s=41
